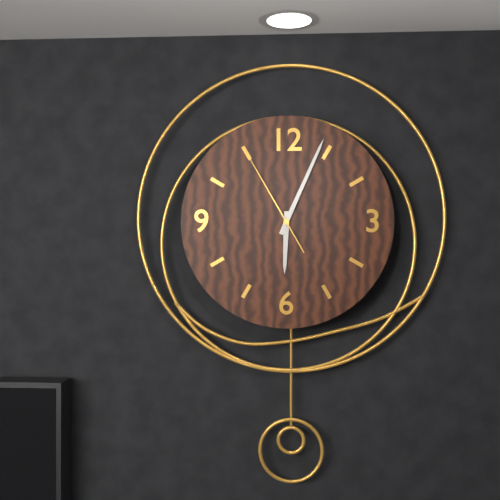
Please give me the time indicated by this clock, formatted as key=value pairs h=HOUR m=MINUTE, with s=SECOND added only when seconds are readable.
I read h=6 m=4 s=55
